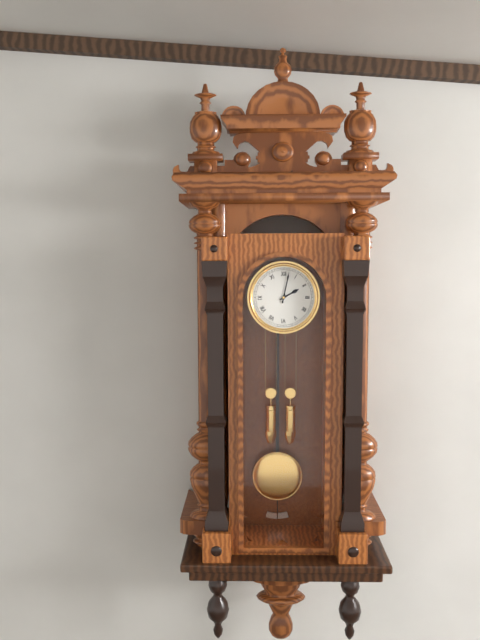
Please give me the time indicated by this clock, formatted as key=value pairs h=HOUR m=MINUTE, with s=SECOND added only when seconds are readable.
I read h=2 m=2
